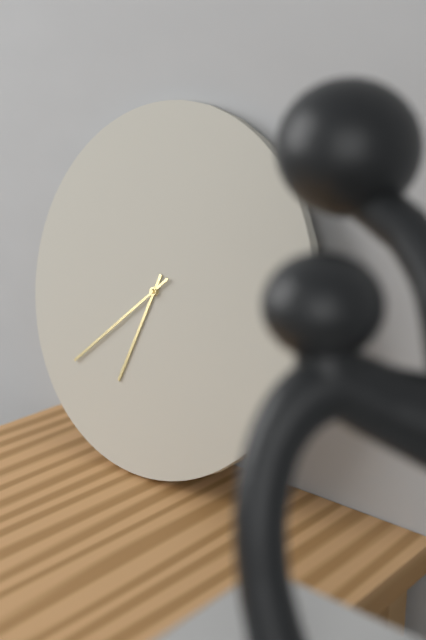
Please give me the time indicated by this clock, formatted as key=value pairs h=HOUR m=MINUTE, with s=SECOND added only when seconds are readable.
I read h=6 m=38
